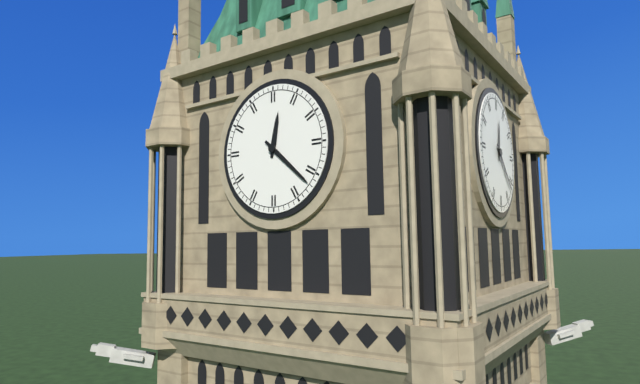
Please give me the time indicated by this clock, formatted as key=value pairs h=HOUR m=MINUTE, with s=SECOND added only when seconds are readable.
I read h=12 m=22
